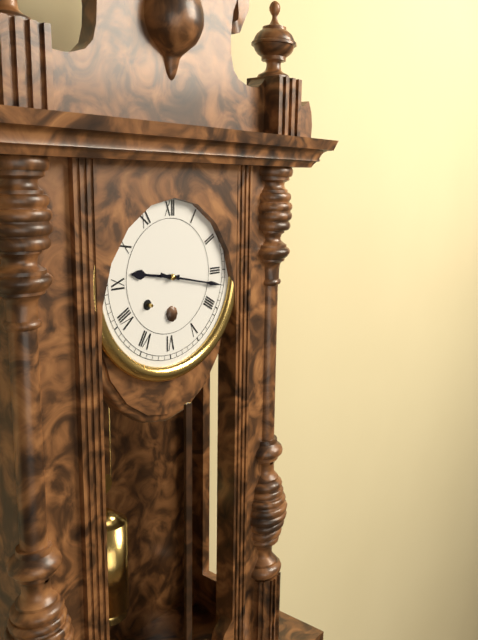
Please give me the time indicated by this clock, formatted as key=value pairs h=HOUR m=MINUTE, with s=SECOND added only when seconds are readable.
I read h=9 m=17
